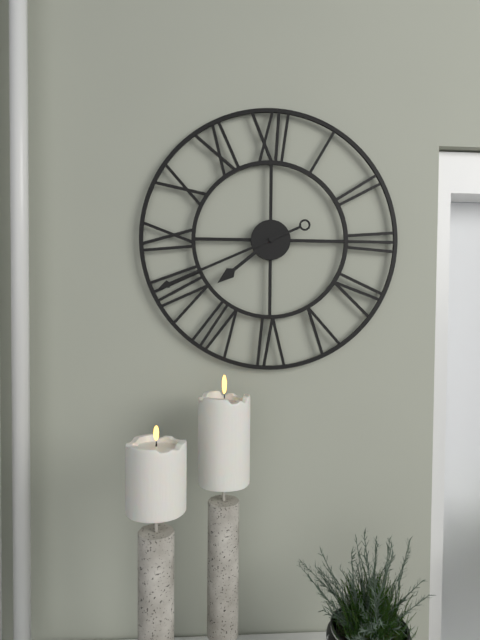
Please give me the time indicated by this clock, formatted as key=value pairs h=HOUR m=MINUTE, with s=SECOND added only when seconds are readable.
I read h=7 m=41
